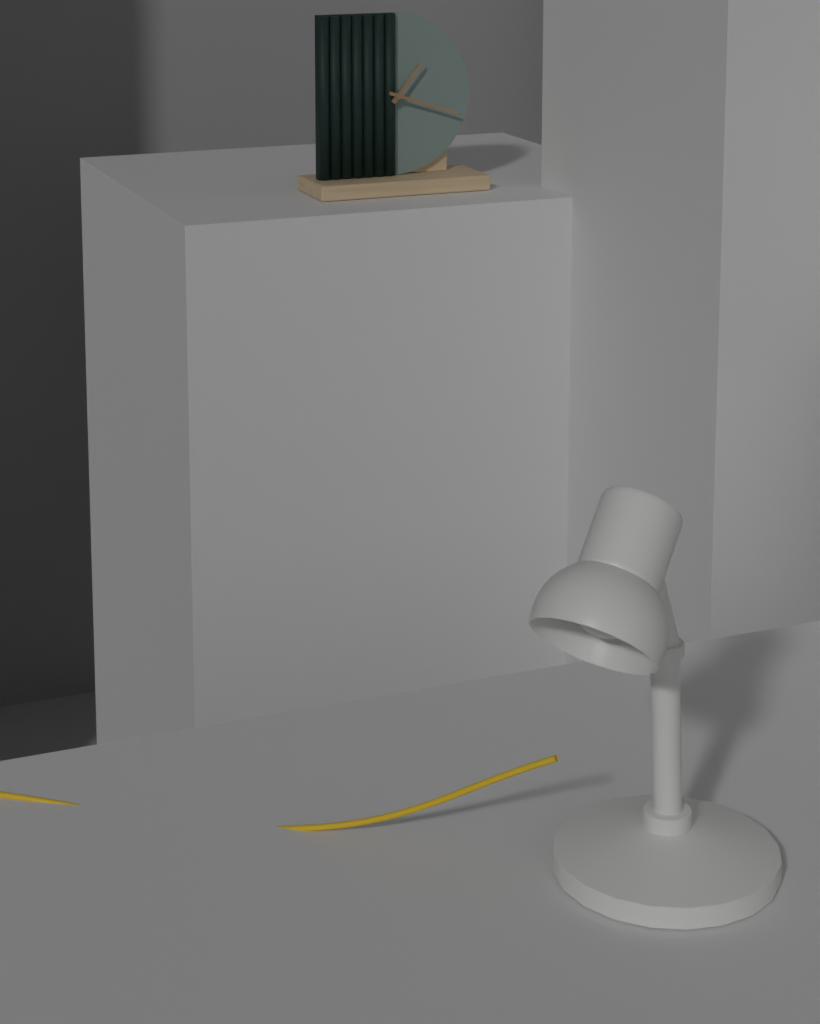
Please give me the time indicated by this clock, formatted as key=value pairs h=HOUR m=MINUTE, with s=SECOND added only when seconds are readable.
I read h=1 m=18
